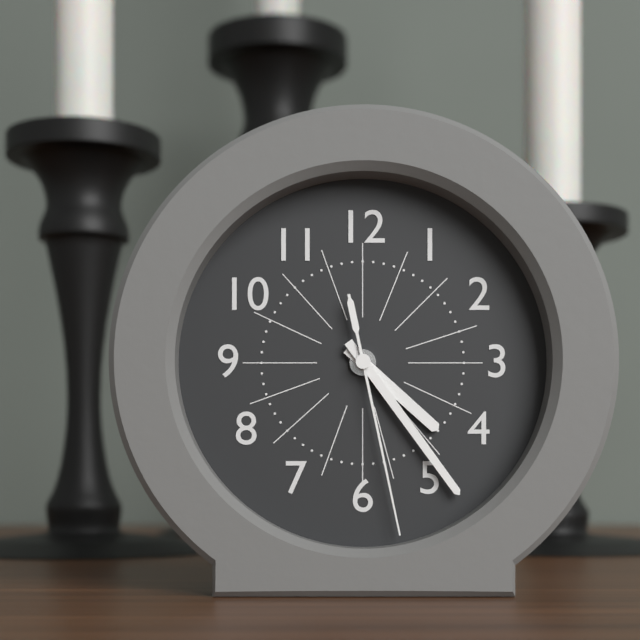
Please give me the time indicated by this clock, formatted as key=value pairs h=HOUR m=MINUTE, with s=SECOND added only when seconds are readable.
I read h=4 m=24 s=28
